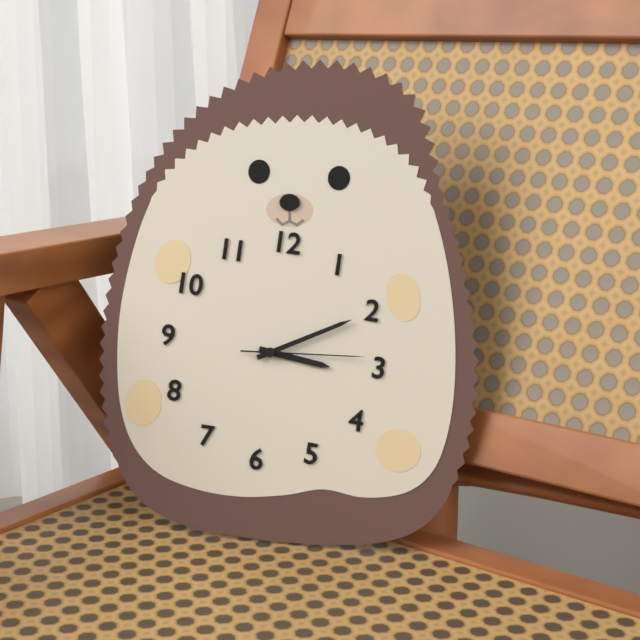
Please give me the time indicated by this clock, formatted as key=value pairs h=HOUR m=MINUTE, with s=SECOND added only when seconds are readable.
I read h=3 m=10 s=14
